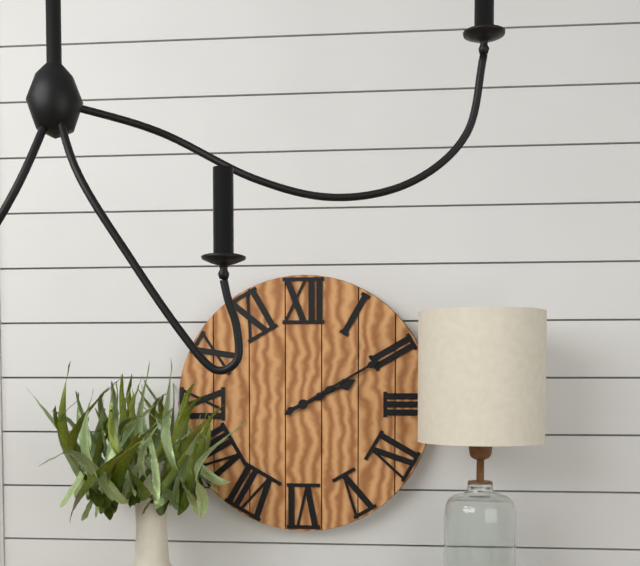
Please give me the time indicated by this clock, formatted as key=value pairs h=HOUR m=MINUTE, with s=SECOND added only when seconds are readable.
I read h=2 m=10
